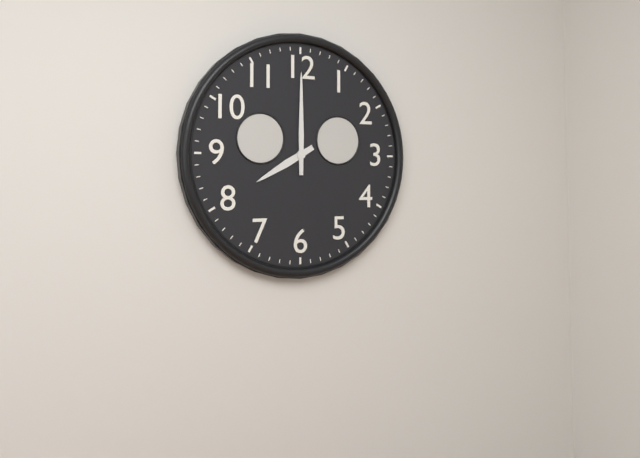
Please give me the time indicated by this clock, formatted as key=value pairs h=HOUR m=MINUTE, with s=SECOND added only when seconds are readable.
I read h=8 m=0
